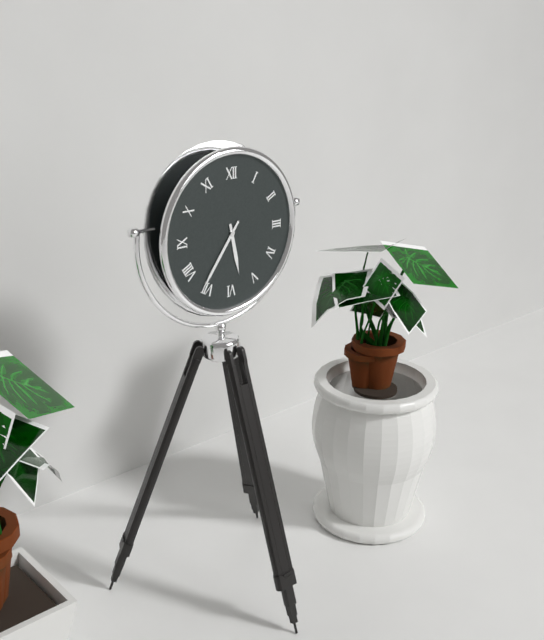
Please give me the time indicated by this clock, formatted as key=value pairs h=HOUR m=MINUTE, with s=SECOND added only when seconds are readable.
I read h=5 m=36
